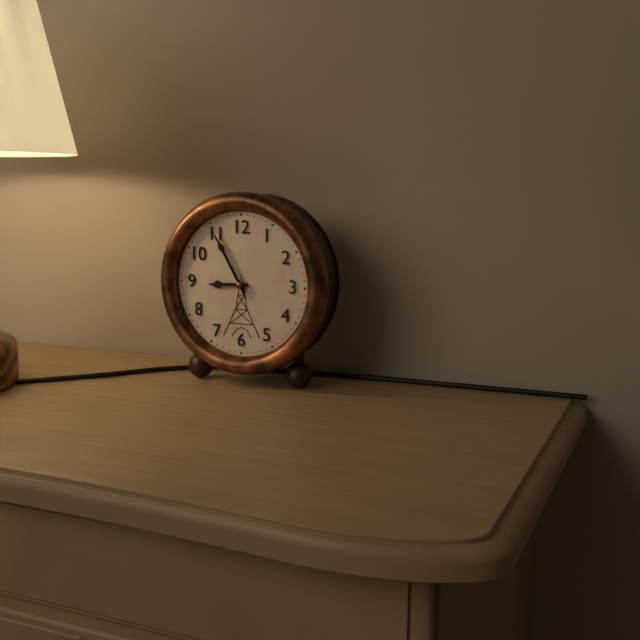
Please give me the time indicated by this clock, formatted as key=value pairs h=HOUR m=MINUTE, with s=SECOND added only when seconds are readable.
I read h=8 m=55 s=55
